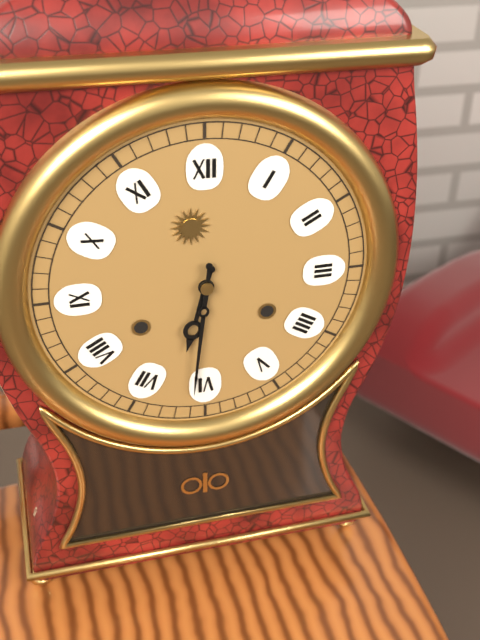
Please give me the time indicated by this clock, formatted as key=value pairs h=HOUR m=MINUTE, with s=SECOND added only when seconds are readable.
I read h=6 m=31
